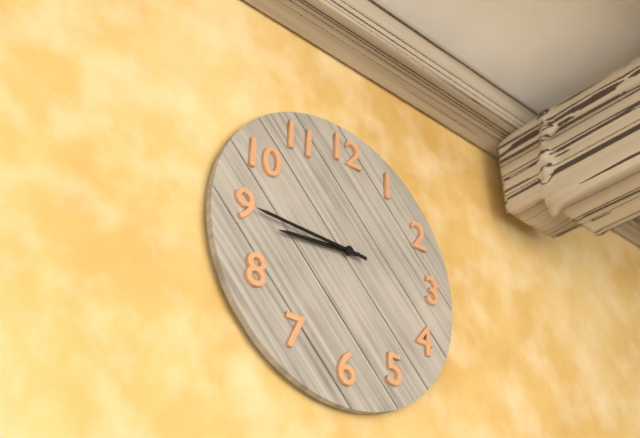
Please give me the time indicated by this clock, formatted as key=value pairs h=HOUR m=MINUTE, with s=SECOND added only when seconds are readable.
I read h=8 m=45
